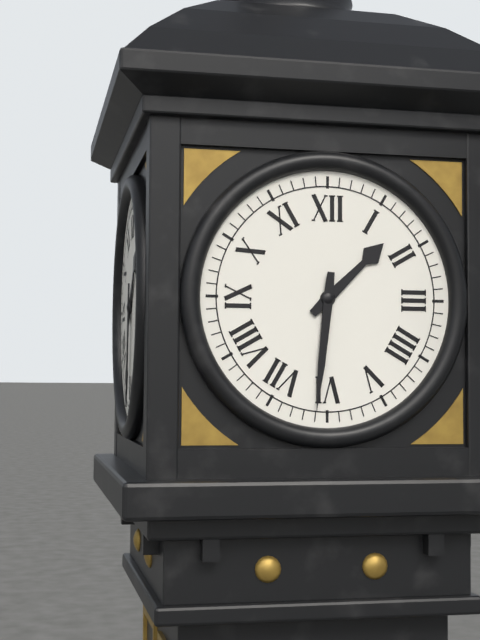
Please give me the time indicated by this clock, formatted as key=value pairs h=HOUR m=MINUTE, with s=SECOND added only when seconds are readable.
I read h=1 m=31
